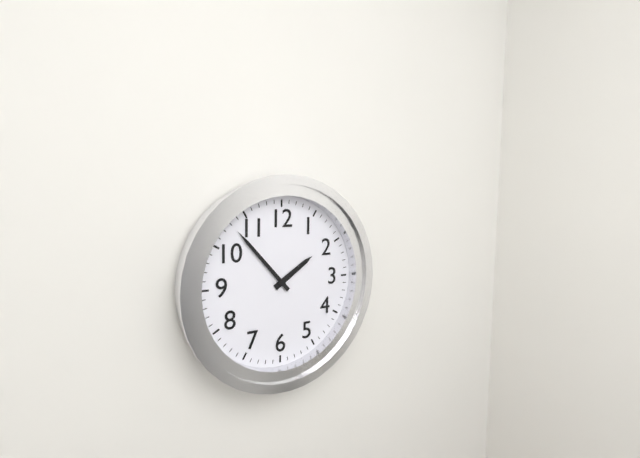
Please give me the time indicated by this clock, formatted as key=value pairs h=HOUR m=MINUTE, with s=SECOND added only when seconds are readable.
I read h=1 m=53
